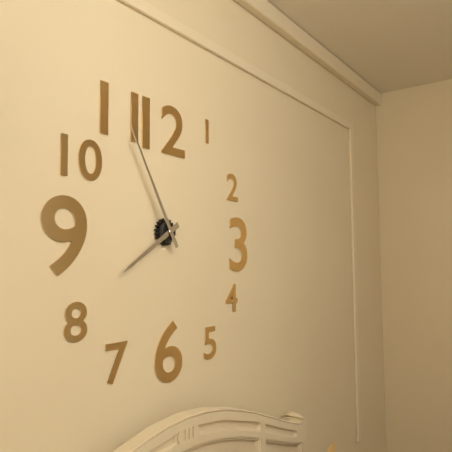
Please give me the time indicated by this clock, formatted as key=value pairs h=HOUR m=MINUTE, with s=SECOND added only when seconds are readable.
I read h=7 m=55
